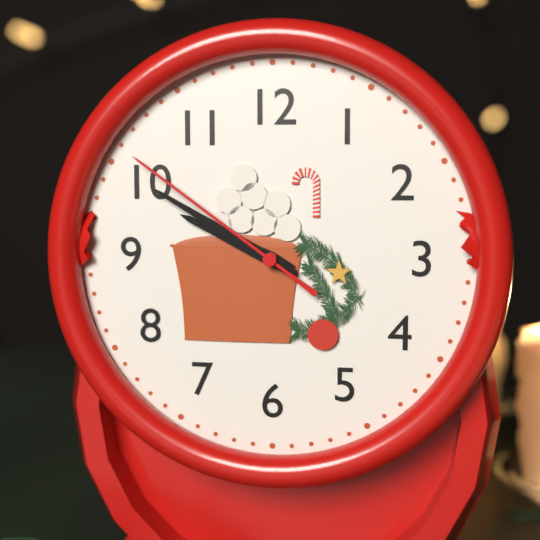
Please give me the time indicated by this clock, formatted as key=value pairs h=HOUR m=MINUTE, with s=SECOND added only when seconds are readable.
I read h=9 m=50 s=51
